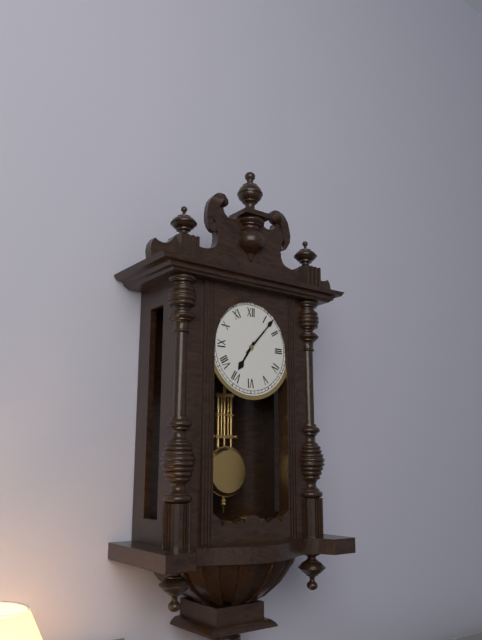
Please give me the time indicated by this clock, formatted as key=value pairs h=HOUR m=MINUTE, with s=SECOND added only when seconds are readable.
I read h=7 m=7
